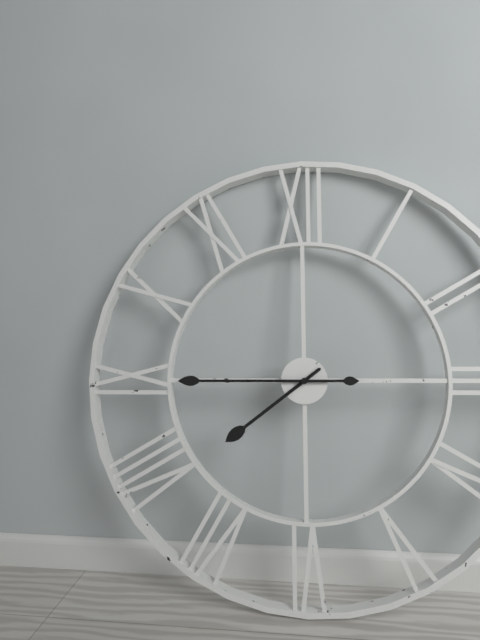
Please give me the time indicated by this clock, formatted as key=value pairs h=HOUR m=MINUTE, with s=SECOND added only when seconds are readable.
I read h=7 m=45
